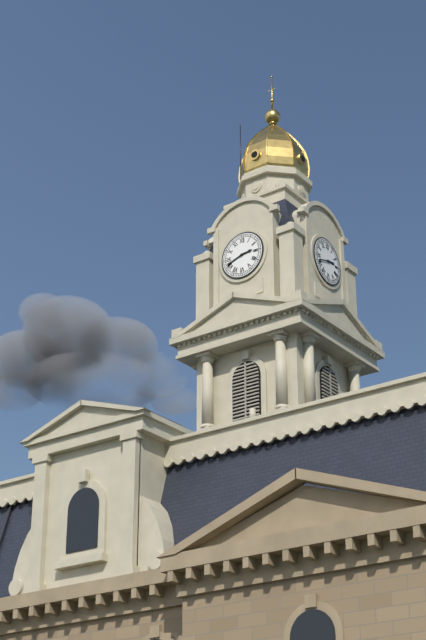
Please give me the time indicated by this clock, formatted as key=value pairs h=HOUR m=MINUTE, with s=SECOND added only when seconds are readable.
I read h=2 m=42
